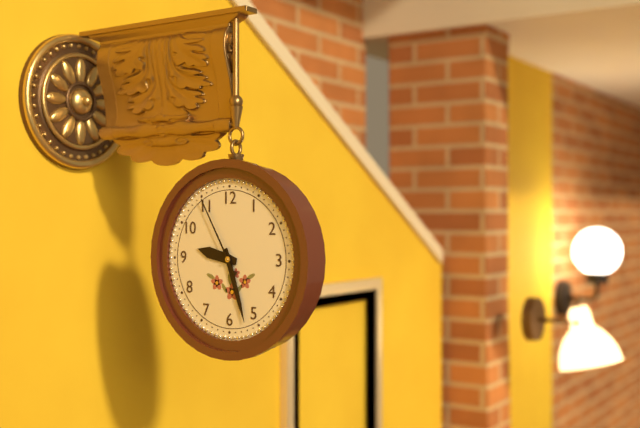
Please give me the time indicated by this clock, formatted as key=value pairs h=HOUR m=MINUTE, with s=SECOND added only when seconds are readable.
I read h=9 m=27 s=55
